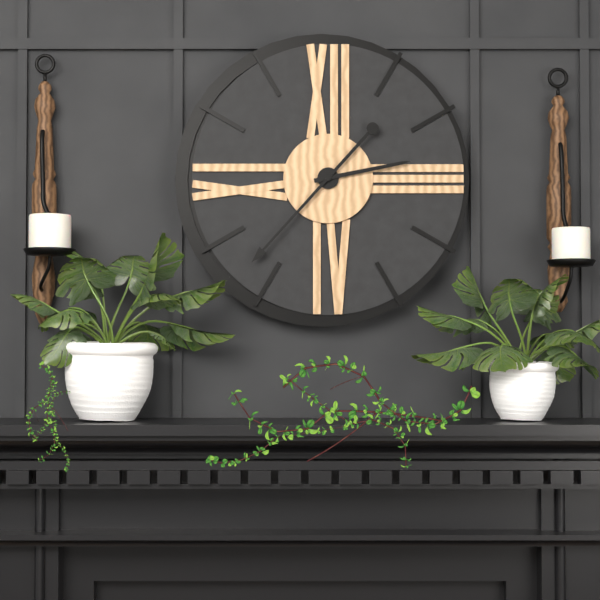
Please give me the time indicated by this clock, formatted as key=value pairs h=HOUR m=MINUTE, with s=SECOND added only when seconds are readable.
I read h=2 m=37
